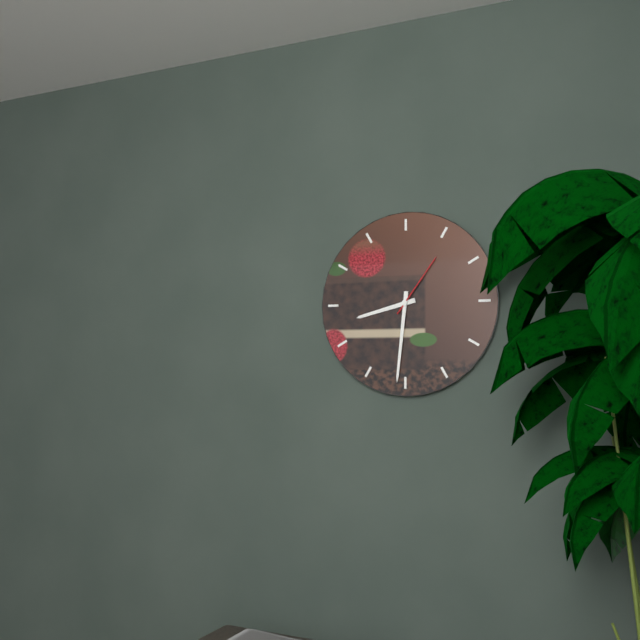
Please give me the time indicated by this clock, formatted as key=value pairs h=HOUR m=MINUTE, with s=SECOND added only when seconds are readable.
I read h=8 m=31 s=6
